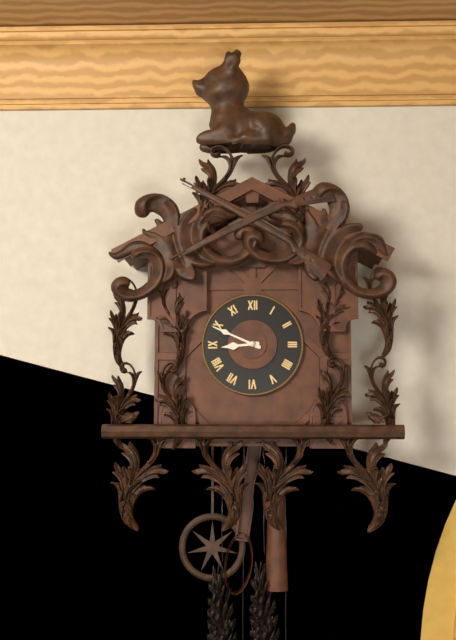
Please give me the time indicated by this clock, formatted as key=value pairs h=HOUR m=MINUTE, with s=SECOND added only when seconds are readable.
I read h=8 m=49
